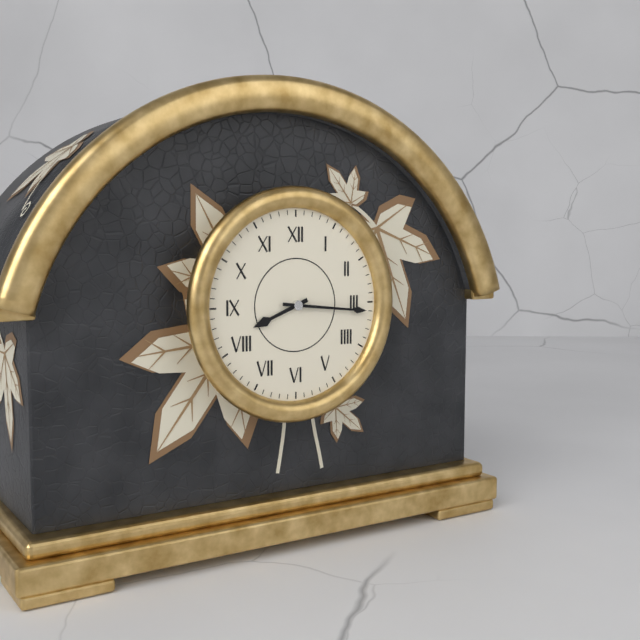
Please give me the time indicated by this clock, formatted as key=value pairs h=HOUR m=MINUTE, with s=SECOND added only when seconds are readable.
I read h=8 m=16
